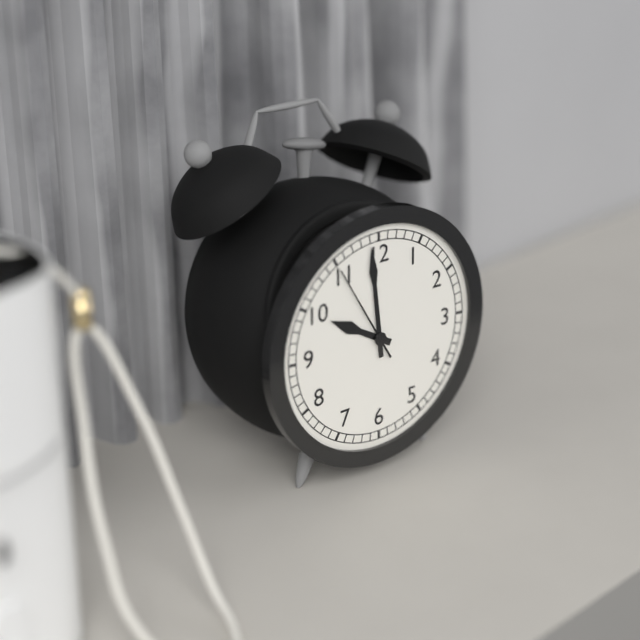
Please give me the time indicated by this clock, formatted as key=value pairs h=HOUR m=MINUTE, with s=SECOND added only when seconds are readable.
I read h=9 m=59 s=55
